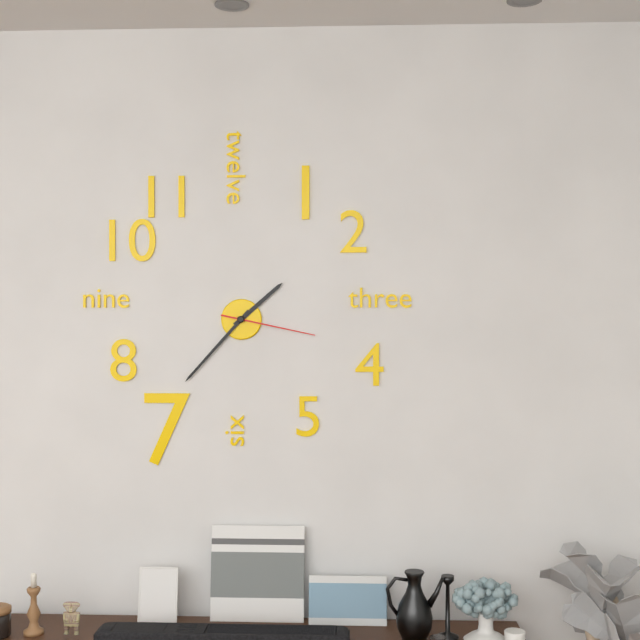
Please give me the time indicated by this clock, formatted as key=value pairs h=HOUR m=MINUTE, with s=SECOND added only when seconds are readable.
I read h=1 m=37 s=17
